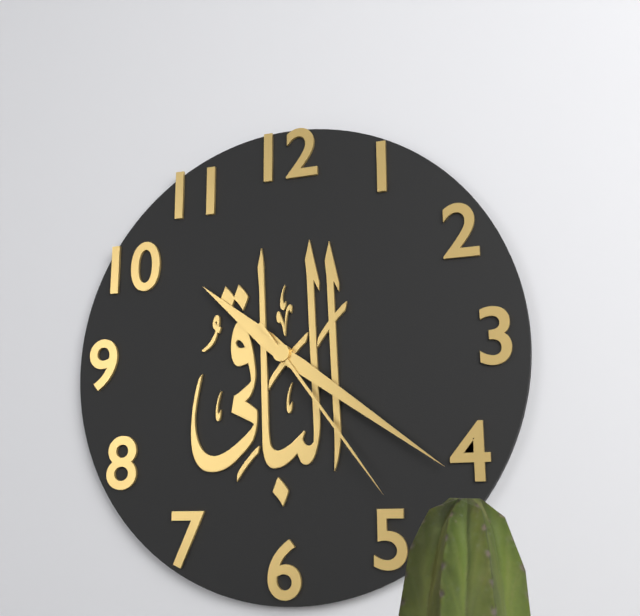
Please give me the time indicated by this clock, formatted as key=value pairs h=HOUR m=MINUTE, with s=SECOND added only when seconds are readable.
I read h=10 m=21 s=24
